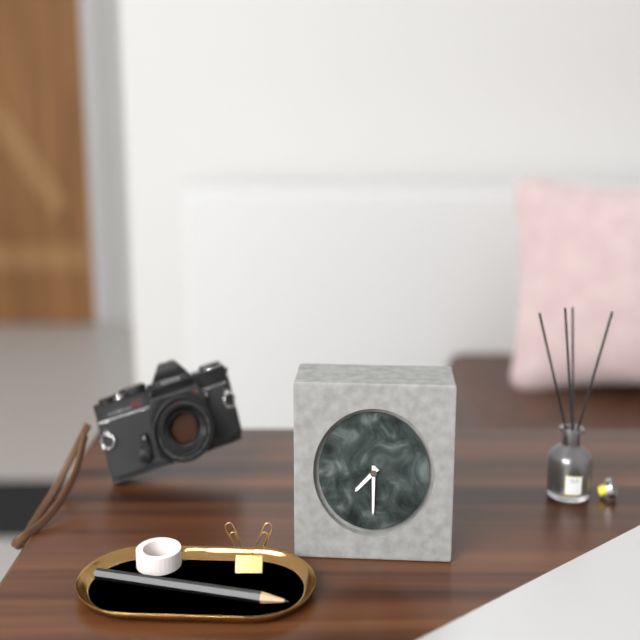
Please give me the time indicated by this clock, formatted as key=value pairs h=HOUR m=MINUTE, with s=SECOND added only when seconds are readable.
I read h=7 m=30
